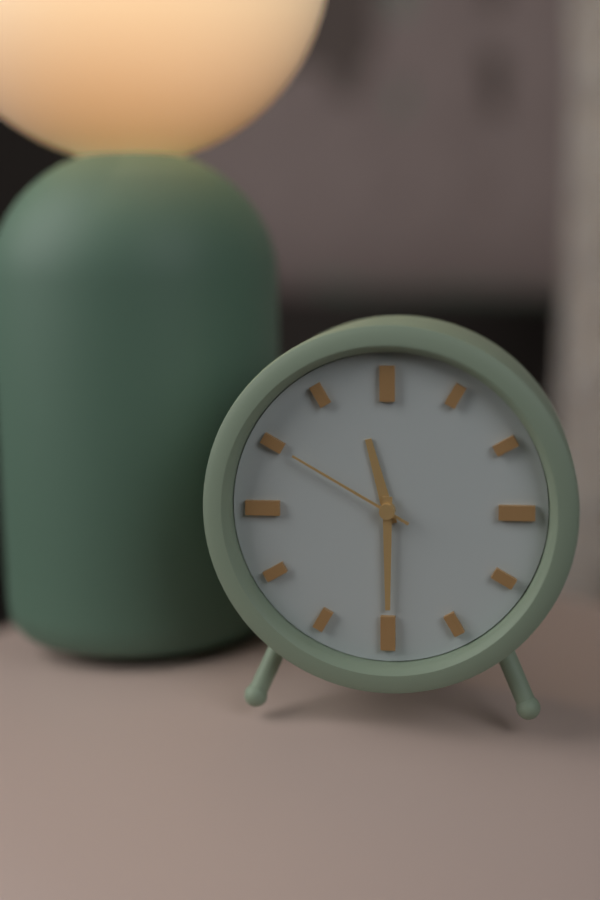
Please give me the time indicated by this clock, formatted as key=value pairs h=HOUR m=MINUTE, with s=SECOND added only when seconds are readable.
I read h=11 m=30 s=50
